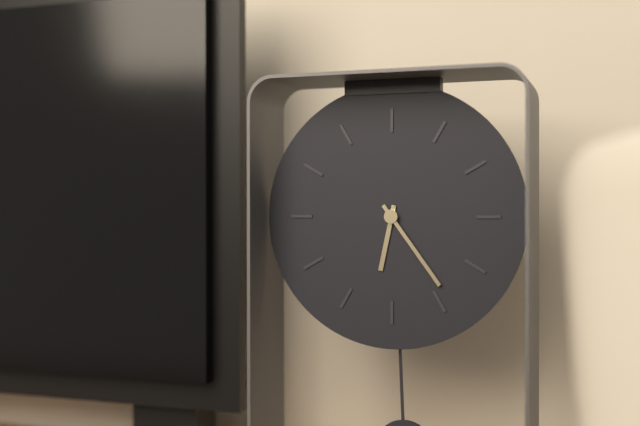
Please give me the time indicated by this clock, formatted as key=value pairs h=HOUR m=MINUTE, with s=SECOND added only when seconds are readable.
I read h=6 m=24
